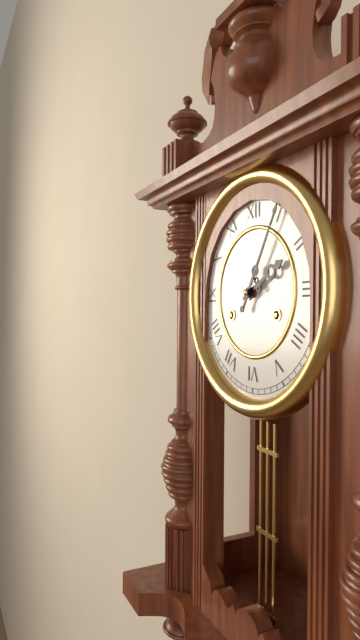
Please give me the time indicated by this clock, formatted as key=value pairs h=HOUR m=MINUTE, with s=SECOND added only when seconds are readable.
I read h=2 m=5
